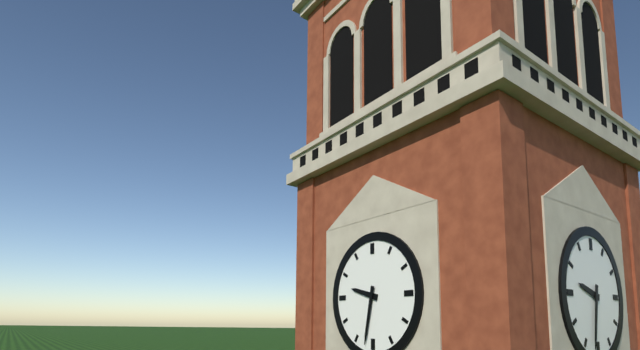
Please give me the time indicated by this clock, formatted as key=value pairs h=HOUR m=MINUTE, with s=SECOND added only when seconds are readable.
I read h=9 m=32
